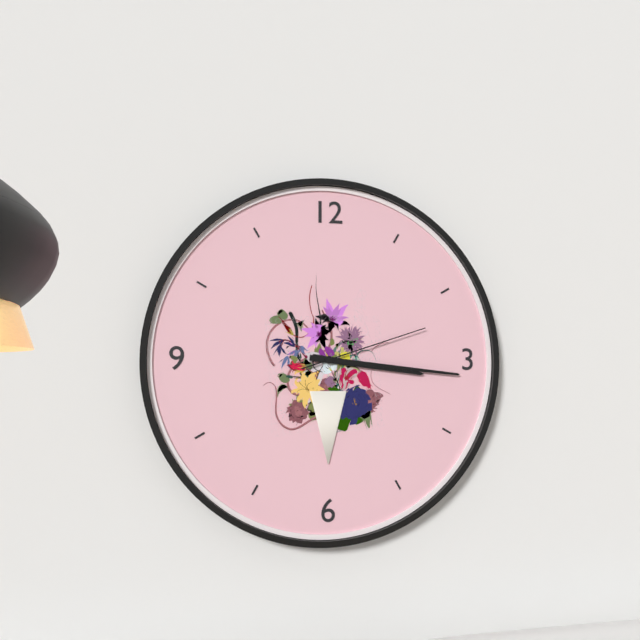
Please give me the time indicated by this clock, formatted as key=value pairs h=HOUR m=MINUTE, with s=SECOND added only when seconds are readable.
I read h=3 m=16 s=12
